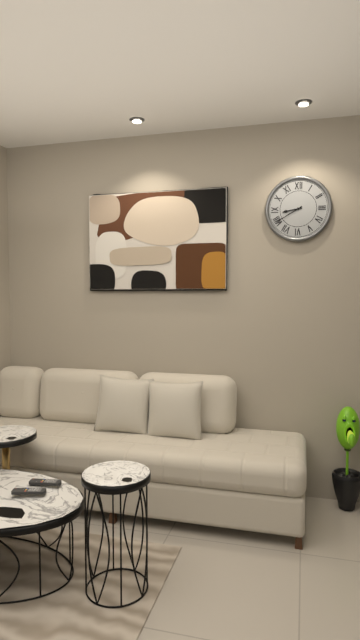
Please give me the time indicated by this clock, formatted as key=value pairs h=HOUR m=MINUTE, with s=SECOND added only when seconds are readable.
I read h=8 m=40
